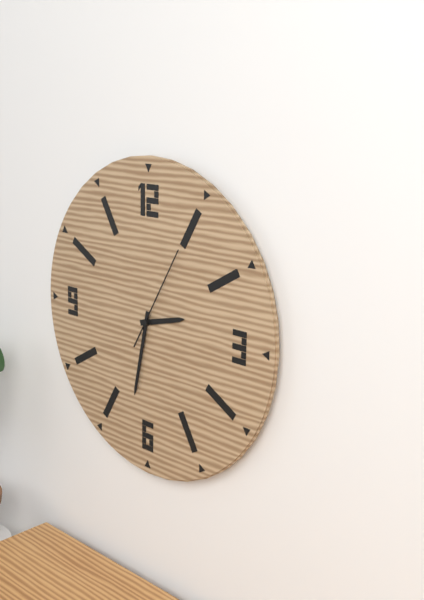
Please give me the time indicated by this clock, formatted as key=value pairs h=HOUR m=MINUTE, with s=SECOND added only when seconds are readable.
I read h=2 m=32 s=5
